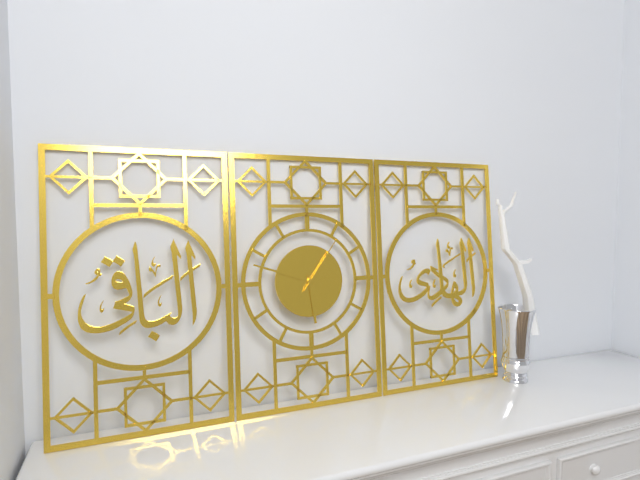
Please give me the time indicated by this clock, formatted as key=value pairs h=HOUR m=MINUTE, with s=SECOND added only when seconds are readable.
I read h=5 m=48 s=6
